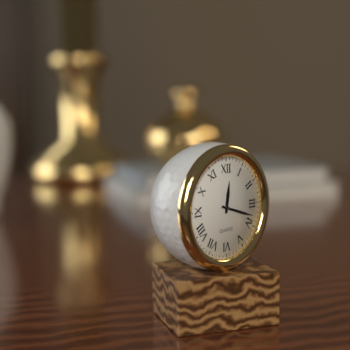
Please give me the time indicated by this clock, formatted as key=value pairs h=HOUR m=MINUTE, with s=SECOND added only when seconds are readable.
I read h=12 m=18
